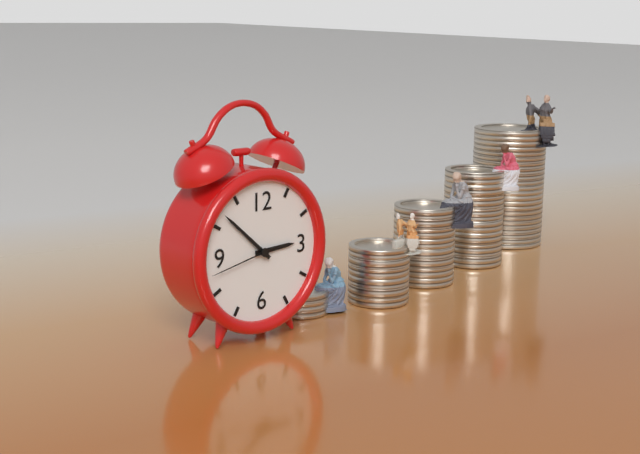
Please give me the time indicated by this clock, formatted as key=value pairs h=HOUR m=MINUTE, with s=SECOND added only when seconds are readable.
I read h=2 m=52 s=43
